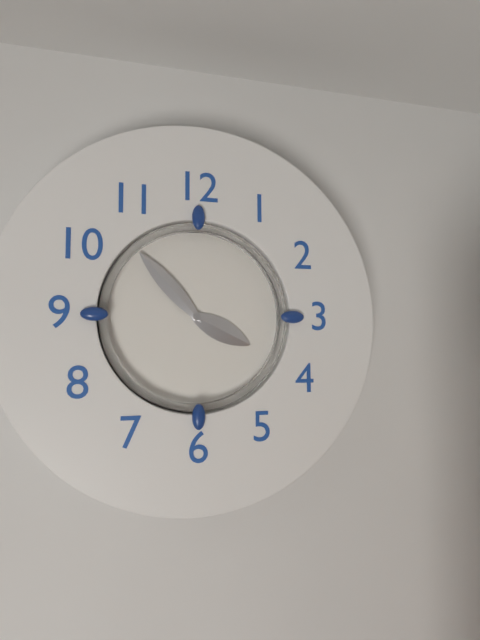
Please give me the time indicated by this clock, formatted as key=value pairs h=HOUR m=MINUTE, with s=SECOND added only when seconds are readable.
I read h=3 m=53
